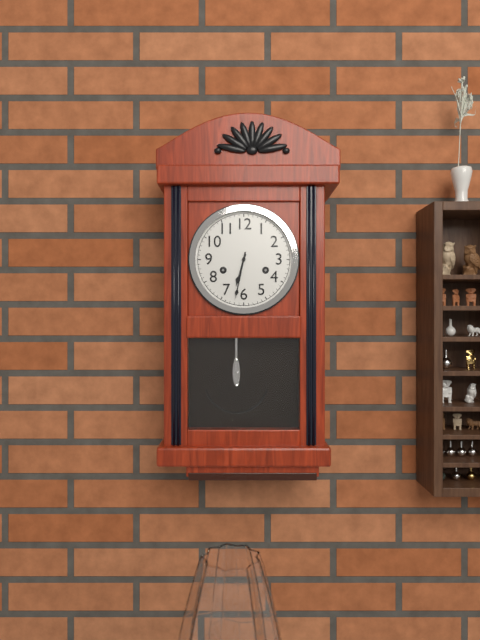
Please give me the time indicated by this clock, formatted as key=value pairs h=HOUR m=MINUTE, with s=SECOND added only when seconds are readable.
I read h=6 m=32
